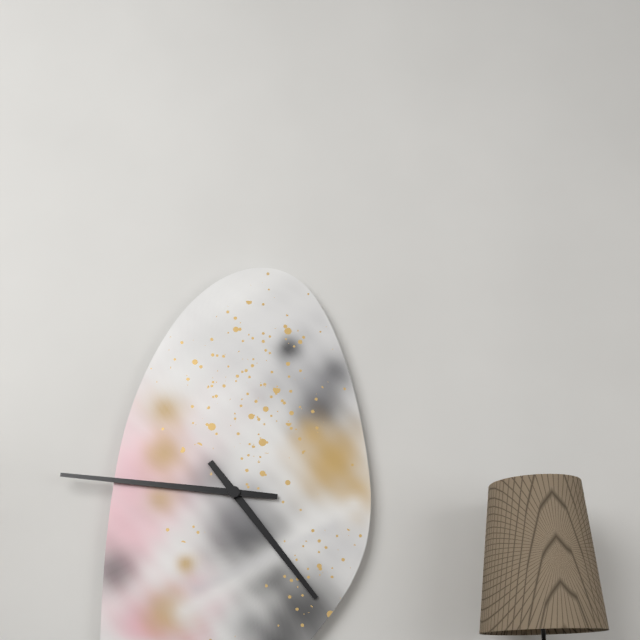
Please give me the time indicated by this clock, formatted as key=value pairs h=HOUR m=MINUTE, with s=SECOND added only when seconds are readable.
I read h=4 m=46
